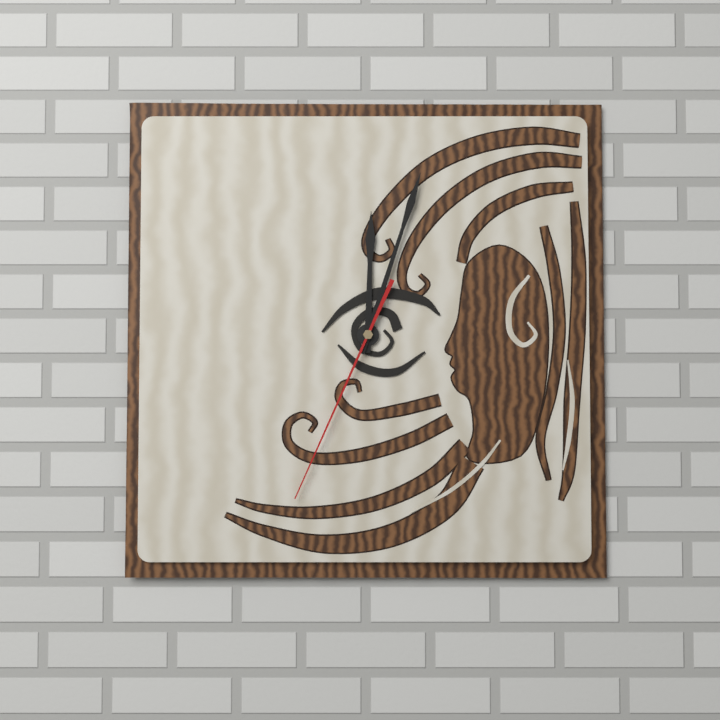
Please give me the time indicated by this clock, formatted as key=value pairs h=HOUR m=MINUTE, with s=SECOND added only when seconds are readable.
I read h=12 m=3 s=34
